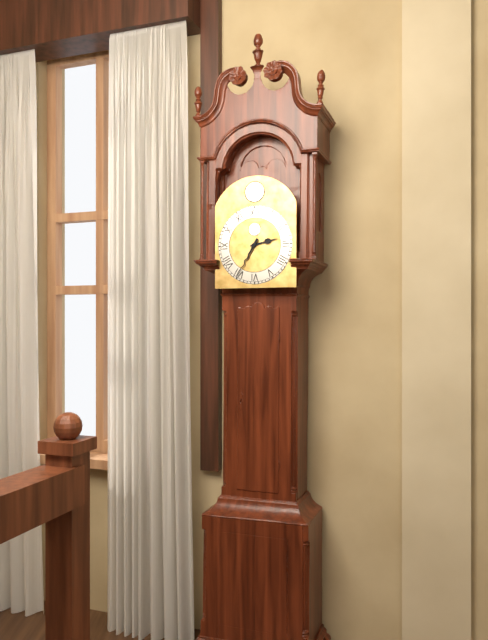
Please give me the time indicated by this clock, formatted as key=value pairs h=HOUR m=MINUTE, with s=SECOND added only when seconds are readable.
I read h=2 m=35
